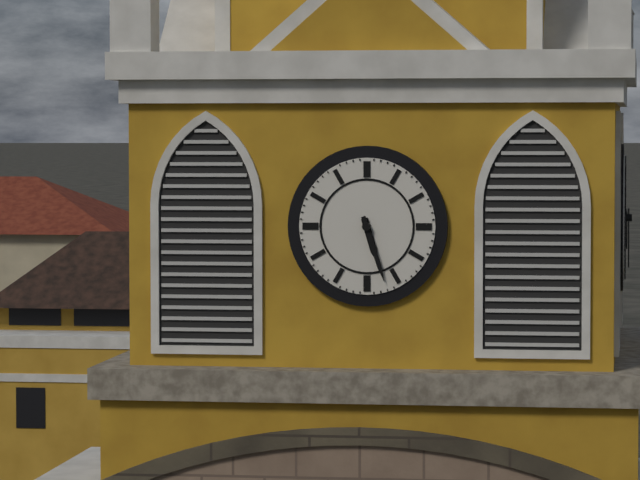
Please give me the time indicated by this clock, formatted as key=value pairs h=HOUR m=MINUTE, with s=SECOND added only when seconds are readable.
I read h=5 m=27
